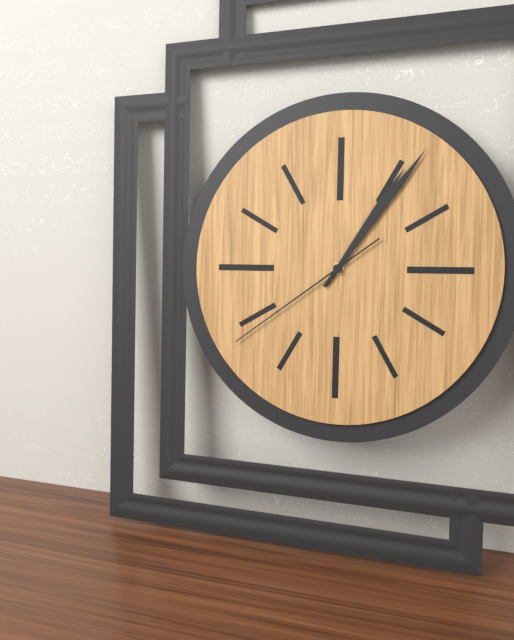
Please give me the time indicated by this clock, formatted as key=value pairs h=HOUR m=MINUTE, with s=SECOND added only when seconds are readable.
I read h=1 m=6 s=39
